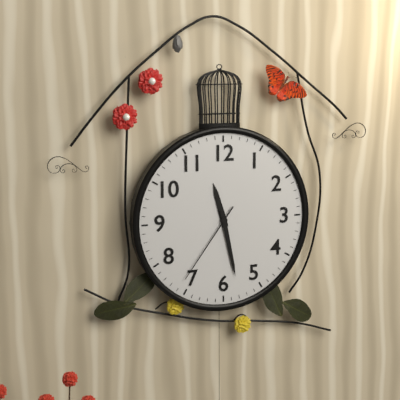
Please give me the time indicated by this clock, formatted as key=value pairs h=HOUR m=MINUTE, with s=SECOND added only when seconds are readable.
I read h=11 m=28 s=36
